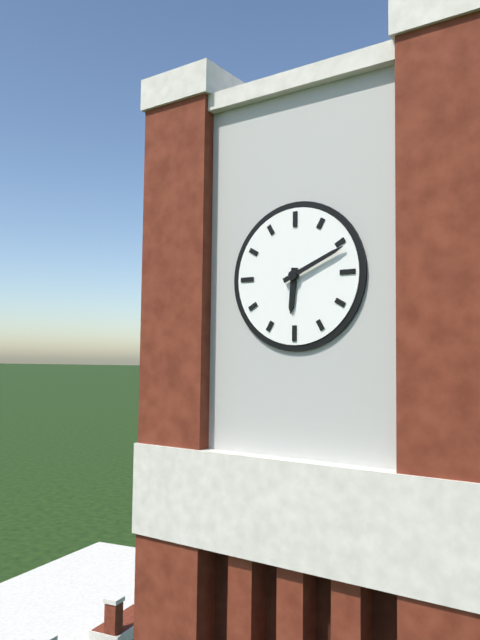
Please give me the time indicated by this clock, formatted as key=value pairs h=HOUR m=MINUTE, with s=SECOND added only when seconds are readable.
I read h=6 m=11
